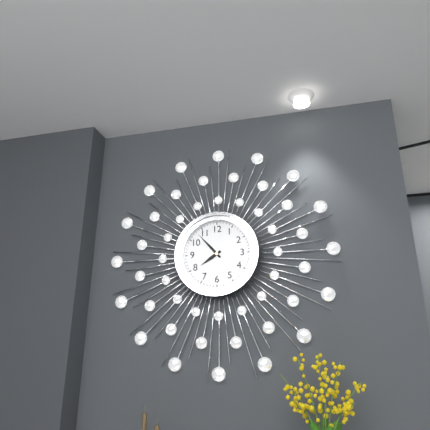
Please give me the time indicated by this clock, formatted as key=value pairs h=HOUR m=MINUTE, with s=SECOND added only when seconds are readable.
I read h=7 m=53
